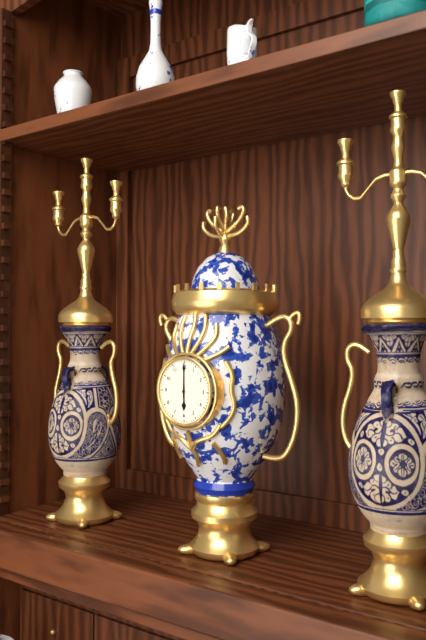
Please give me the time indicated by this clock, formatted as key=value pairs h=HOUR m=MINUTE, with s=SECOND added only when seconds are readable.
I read h=6 m=0
